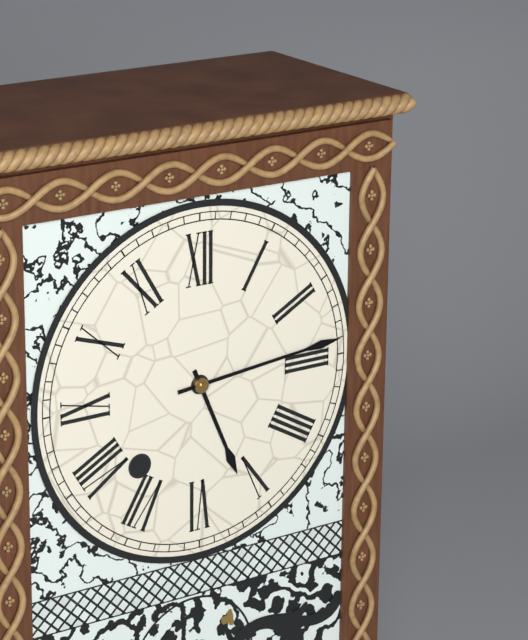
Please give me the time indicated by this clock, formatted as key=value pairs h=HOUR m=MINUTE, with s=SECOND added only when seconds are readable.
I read h=5 m=14
